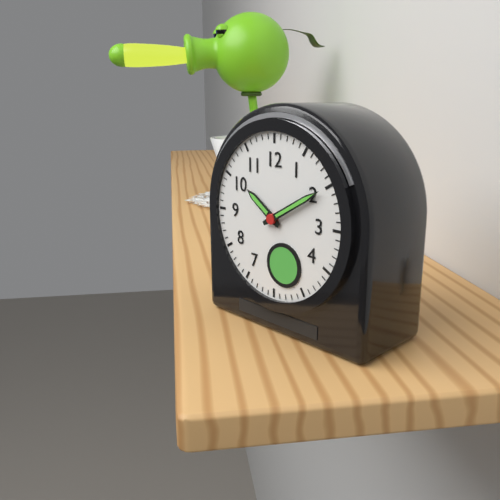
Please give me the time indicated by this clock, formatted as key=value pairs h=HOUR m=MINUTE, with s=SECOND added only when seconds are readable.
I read h=10 m=10
